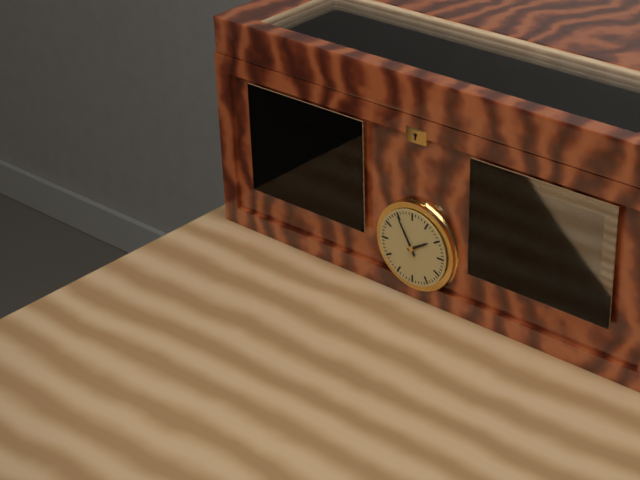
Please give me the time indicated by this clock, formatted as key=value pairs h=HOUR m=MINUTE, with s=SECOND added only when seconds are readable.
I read h=1 m=55
